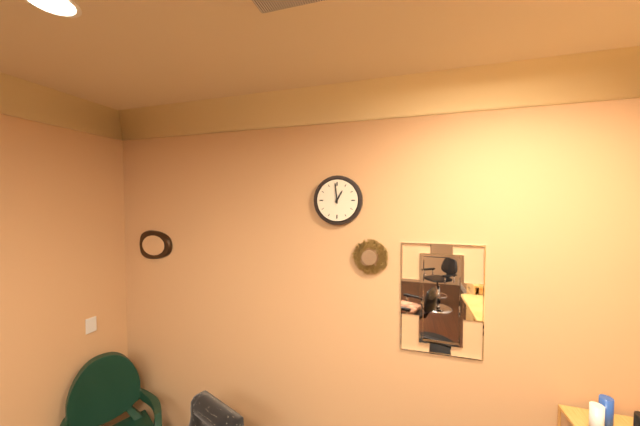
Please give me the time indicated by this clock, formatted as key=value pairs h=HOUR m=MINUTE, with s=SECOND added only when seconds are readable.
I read h=12 m=59
